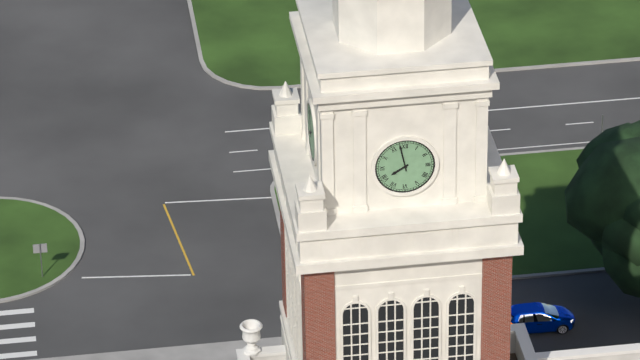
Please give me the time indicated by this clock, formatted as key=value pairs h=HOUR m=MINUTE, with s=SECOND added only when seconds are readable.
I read h=7 m=58
